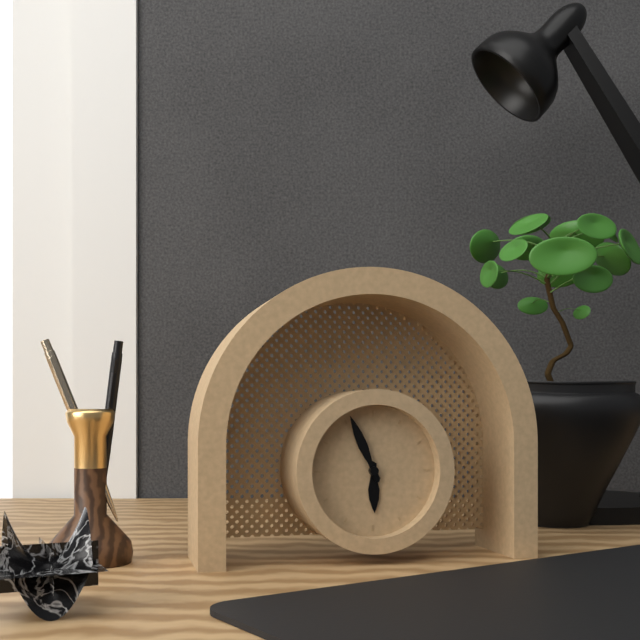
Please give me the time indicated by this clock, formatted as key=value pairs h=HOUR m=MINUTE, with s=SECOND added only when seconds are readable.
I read h=5 m=56
